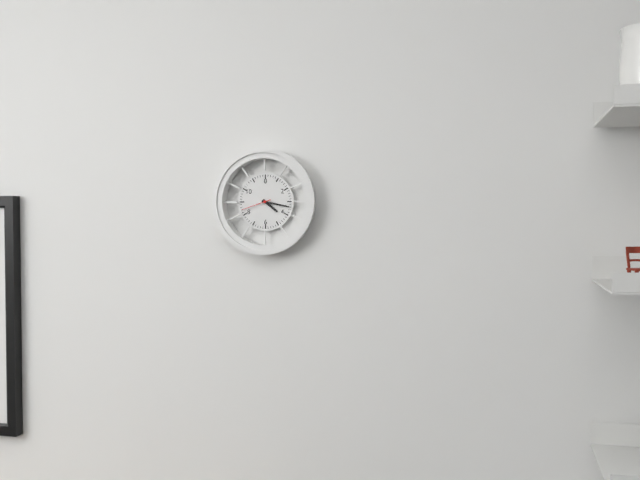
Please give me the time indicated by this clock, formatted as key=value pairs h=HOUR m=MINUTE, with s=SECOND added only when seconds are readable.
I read h=4 m=17
